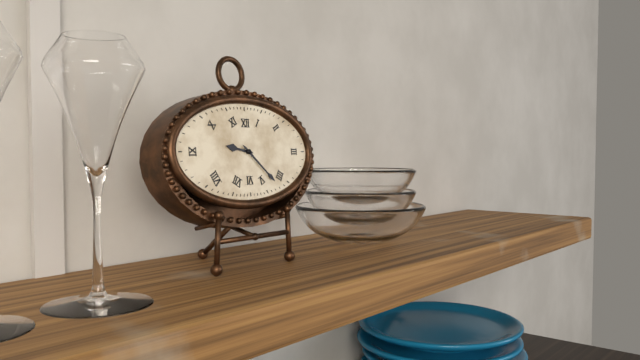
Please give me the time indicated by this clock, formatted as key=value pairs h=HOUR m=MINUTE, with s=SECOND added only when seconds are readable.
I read h=9 m=22
